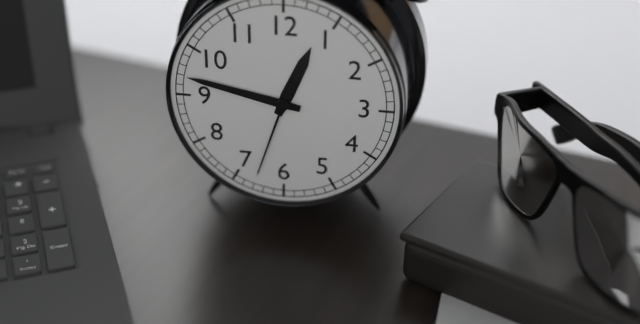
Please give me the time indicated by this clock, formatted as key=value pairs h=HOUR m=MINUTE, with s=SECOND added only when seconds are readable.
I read h=12 m=47 s=33
